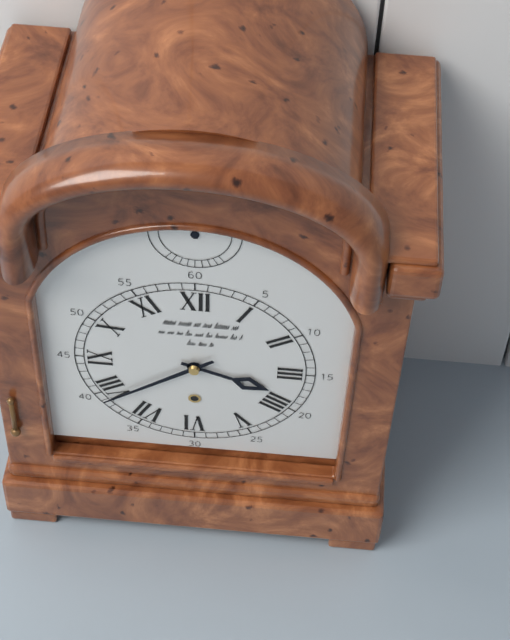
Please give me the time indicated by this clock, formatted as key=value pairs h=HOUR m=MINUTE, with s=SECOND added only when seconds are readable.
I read h=3 m=39
